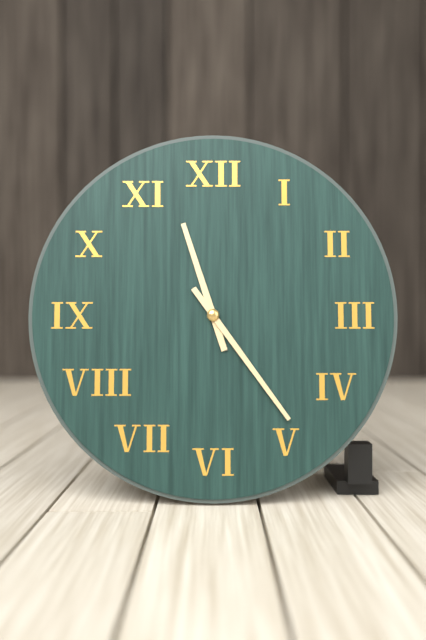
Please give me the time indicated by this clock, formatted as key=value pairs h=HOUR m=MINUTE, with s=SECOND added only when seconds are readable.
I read h=11 m=24
